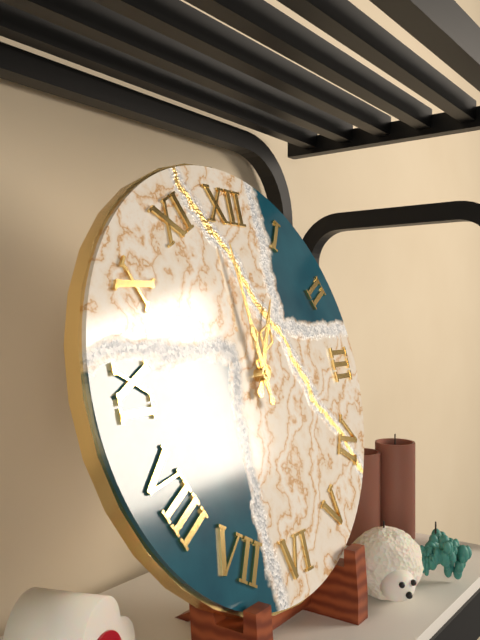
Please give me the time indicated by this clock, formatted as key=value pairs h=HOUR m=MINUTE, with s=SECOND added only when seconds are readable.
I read h=12 m=59
